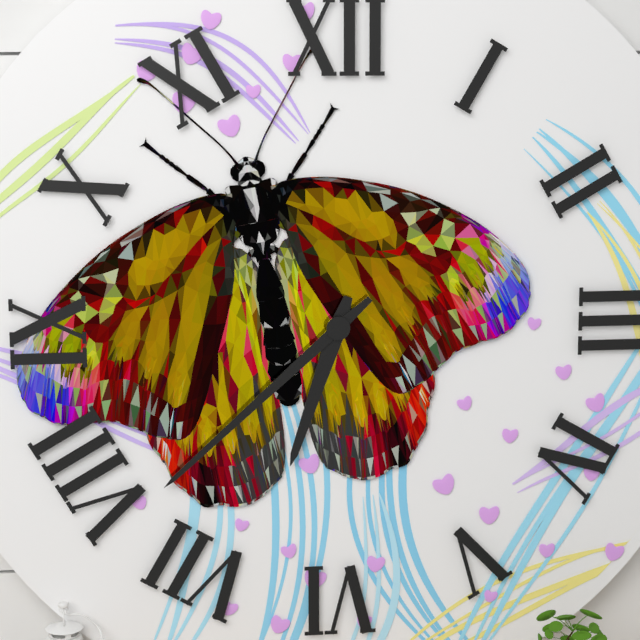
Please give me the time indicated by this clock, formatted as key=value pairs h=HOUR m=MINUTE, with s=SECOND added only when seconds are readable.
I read h=6 m=38
